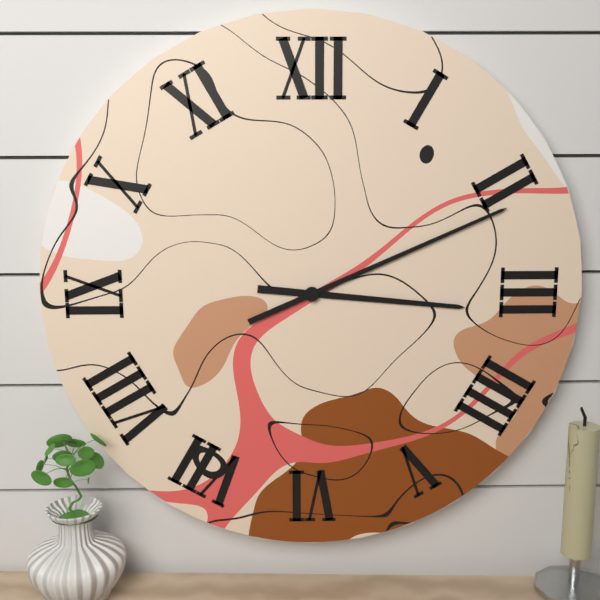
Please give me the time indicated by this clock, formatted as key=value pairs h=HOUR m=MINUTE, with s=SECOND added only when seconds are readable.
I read h=3 m=11
